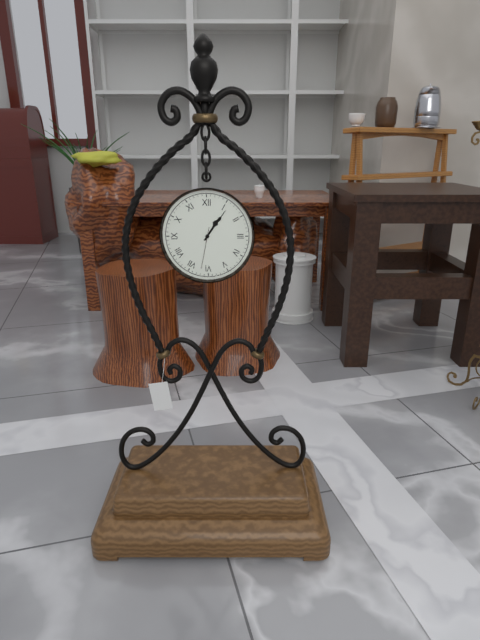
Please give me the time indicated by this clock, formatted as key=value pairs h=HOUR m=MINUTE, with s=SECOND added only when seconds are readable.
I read h=1 m=6
